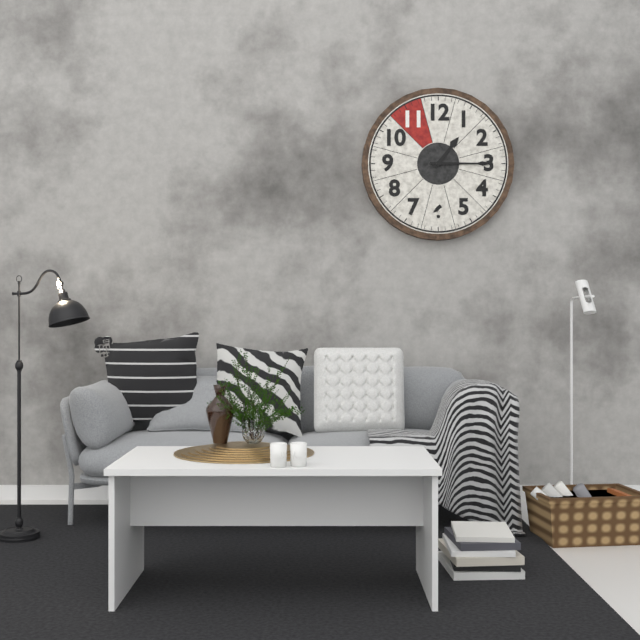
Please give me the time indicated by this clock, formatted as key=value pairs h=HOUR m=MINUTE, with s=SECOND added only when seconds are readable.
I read h=1 m=15
